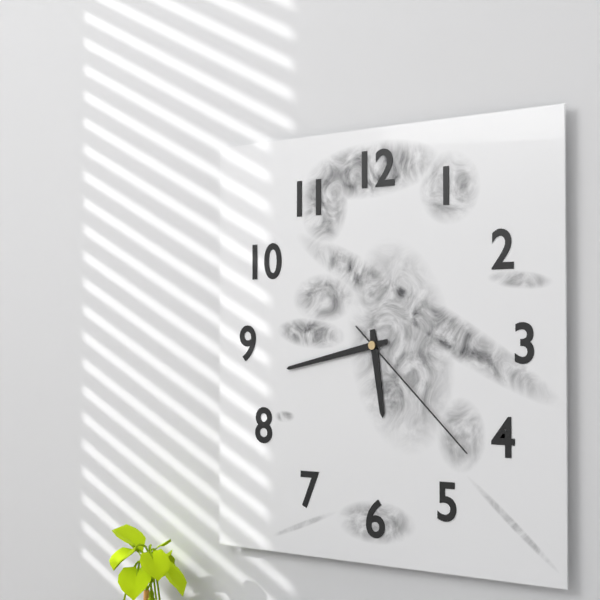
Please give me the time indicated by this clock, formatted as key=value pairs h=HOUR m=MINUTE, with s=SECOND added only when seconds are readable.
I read h=5 m=43 s=22
